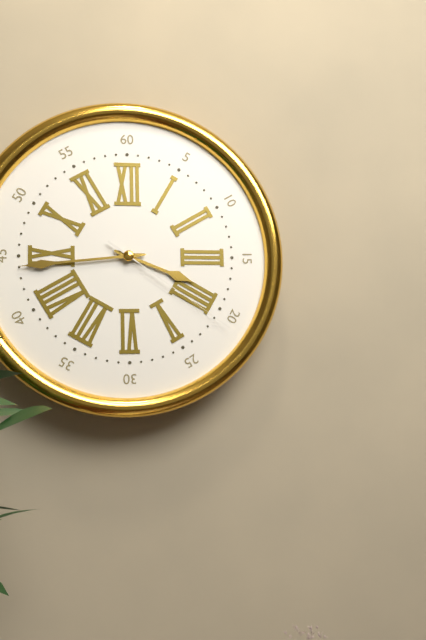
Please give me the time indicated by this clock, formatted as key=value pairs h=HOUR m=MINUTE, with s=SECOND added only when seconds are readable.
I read h=3 m=44 s=21
